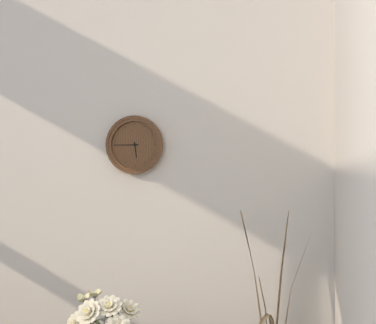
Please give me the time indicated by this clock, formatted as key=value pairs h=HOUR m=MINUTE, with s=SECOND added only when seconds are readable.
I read h=5 m=45
